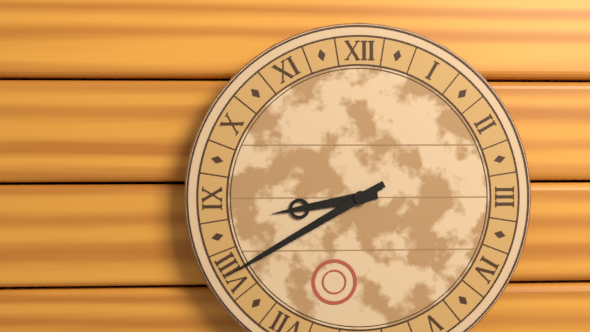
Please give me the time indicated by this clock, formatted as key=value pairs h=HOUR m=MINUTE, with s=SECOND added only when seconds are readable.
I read h=8 m=40
